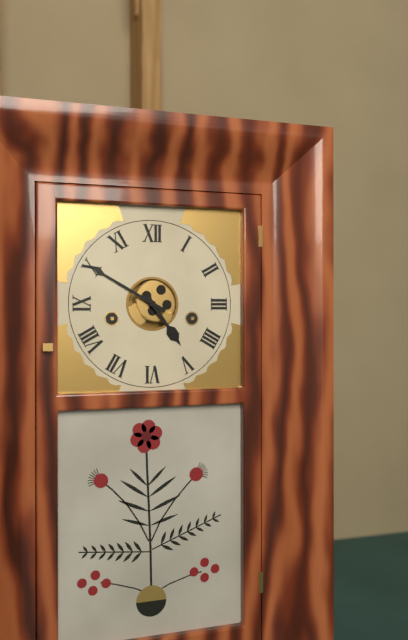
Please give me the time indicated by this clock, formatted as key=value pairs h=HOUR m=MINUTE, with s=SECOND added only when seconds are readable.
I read h=4 m=50
